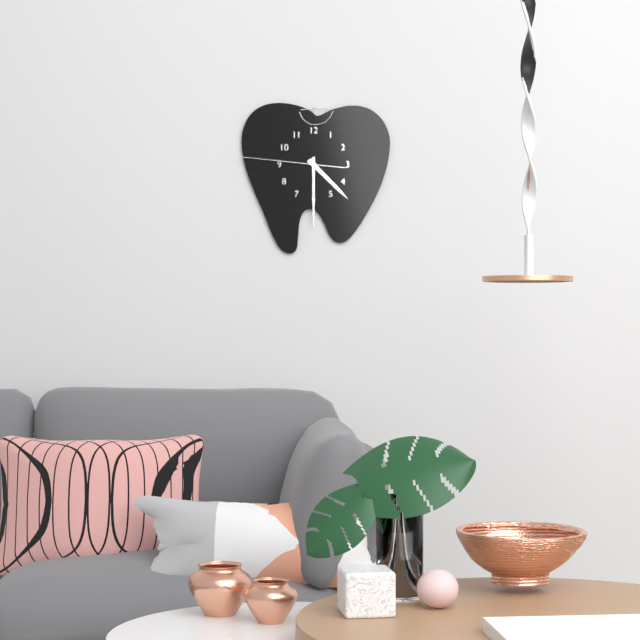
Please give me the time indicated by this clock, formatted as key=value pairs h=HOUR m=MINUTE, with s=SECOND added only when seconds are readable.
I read h=4 m=30 s=46
